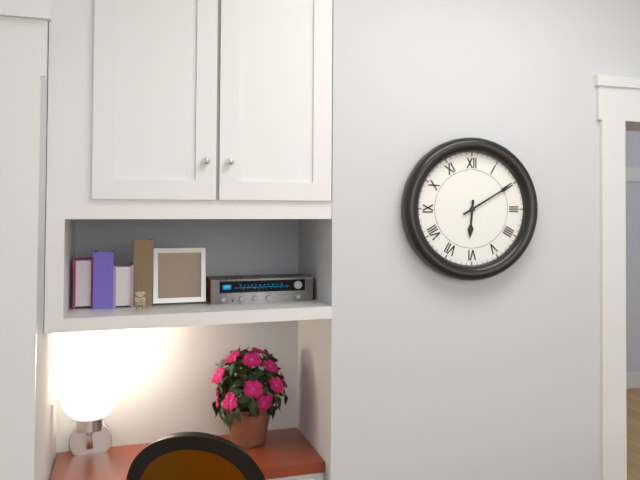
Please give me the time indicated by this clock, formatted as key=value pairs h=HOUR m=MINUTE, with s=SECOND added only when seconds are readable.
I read h=6 m=10
